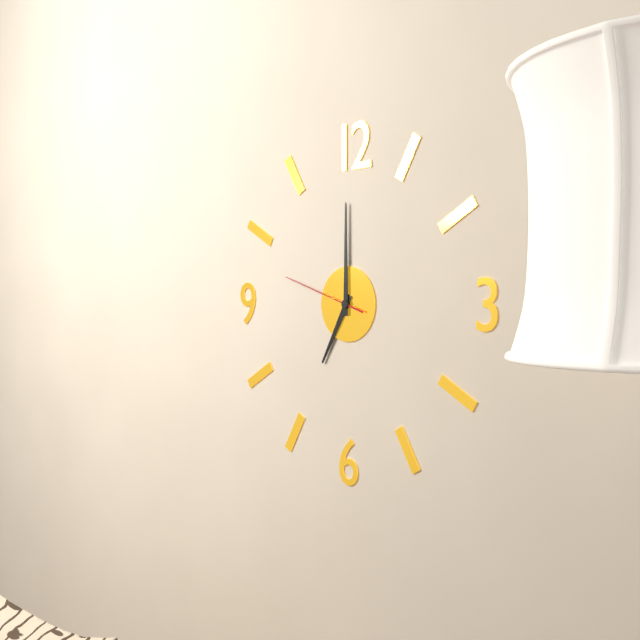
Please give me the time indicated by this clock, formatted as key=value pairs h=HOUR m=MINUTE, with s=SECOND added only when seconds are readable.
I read h=7 m=0 s=48
